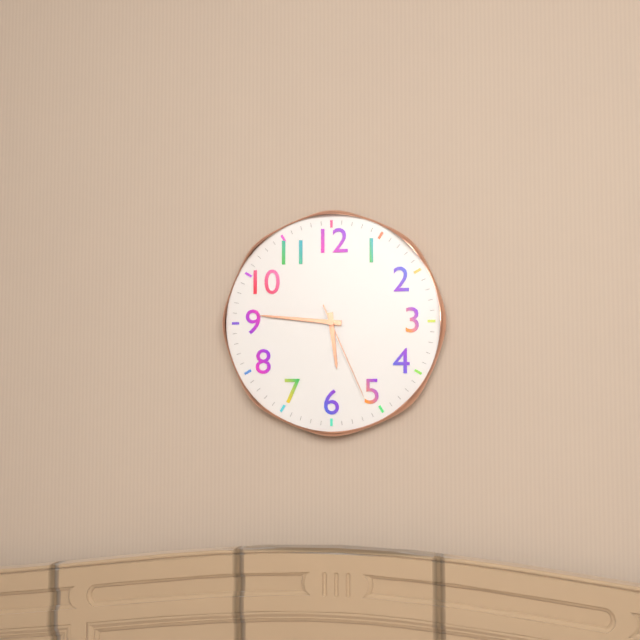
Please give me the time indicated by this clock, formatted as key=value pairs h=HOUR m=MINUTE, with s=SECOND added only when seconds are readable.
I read h=5 m=46 s=26
